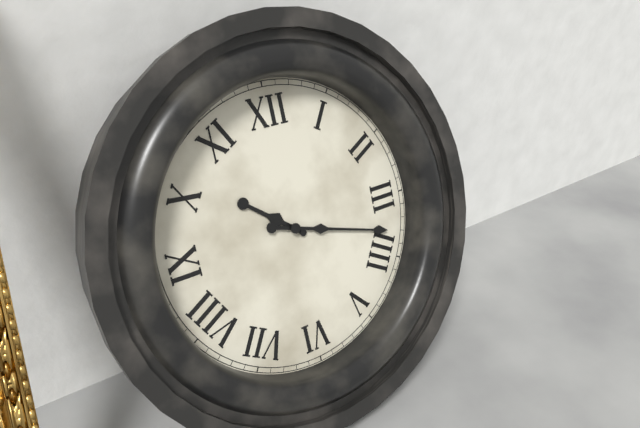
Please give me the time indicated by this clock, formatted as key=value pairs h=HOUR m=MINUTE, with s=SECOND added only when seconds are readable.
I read h=10 m=18
